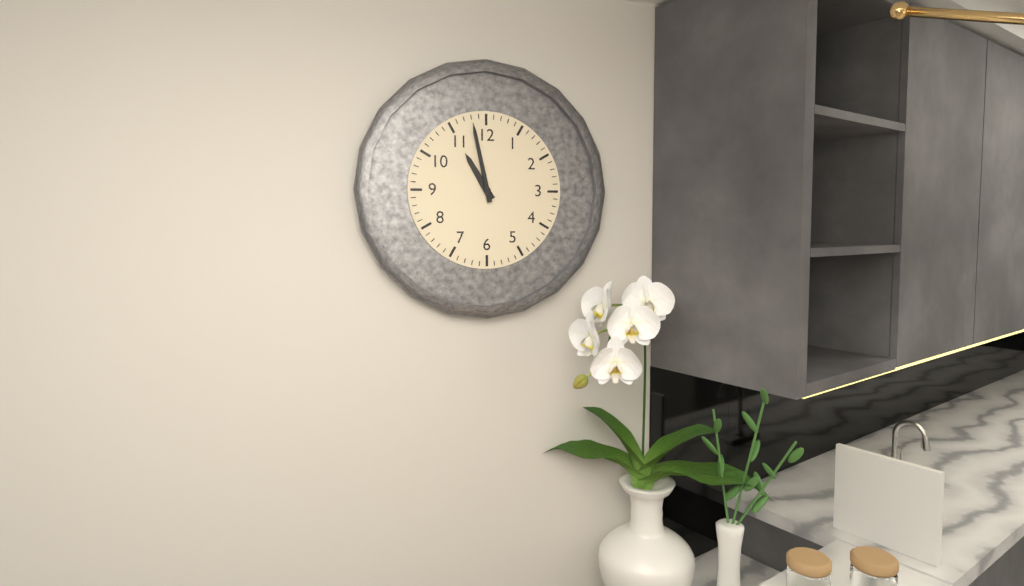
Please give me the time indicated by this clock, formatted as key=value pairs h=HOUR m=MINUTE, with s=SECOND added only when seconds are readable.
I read h=10 m=58
